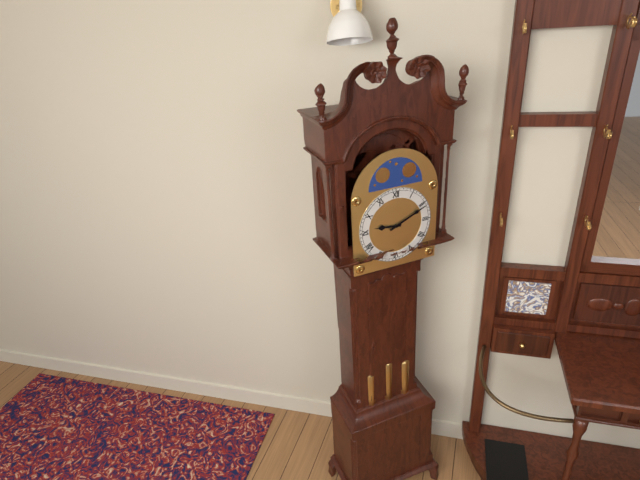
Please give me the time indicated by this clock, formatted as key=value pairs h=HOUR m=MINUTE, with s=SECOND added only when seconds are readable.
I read h=9 m=11
